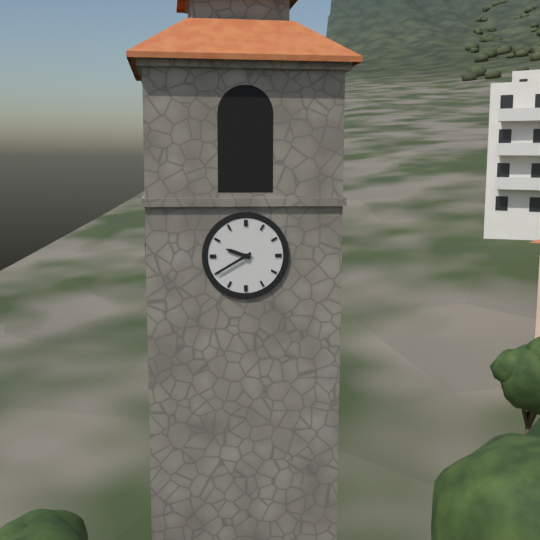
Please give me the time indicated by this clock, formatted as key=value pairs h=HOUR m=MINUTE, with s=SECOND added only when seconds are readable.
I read h=9 m=40
